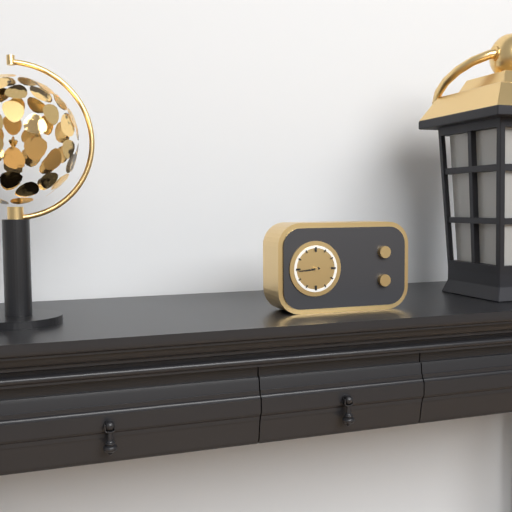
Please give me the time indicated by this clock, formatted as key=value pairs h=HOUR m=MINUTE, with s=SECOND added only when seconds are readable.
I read h=8 m=44
